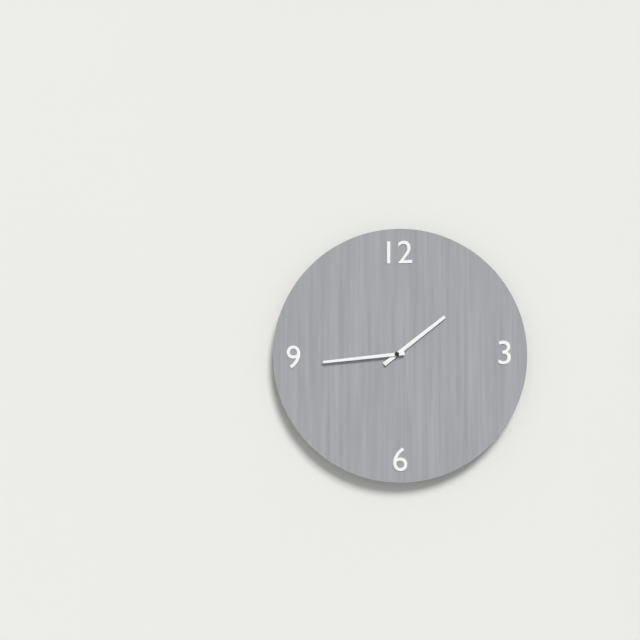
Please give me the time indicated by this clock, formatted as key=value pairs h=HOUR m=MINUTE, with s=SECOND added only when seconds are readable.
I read h=1 m=44
